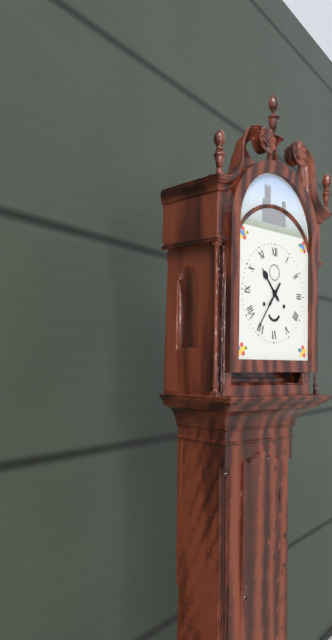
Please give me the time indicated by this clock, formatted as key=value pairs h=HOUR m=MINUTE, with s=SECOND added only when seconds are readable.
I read h=10 m=36
